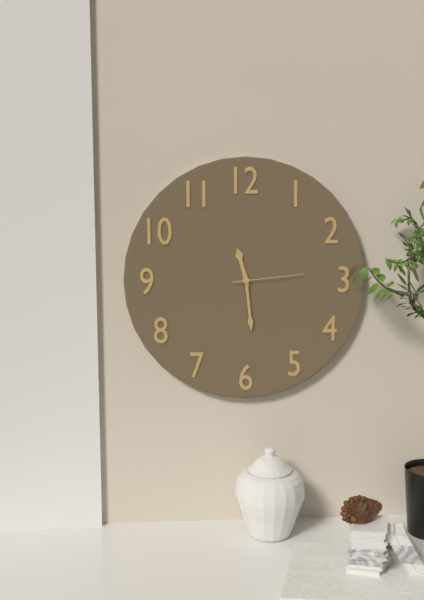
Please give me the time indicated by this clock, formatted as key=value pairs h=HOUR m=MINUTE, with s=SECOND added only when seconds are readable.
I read h=11 m=29 s=14
